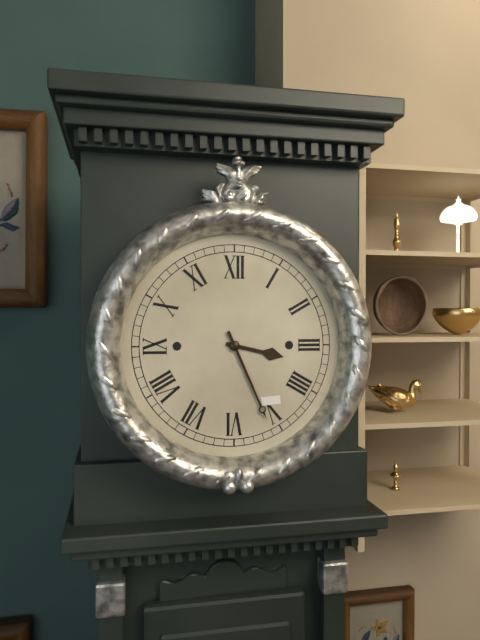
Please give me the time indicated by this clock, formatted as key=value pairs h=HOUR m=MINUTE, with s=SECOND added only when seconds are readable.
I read h=3 m=26
